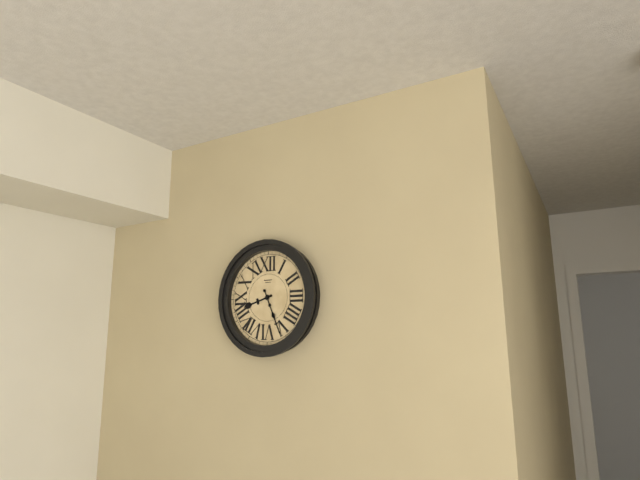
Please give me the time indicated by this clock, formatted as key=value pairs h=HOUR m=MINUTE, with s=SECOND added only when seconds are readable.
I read h=8 m=26
